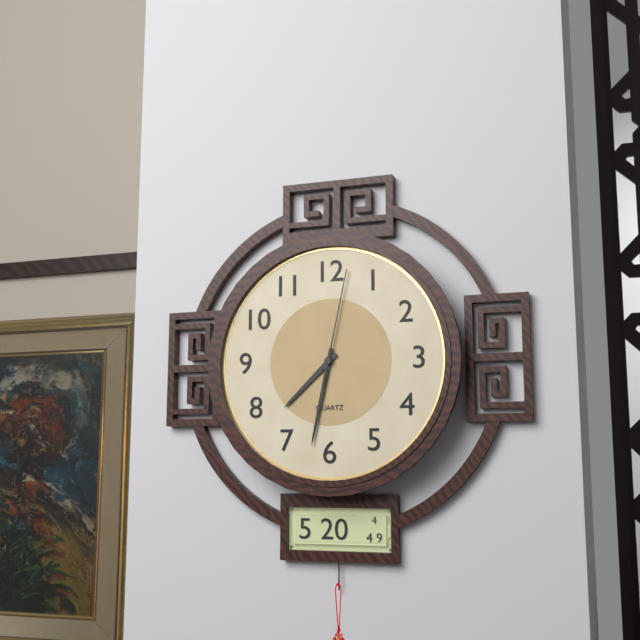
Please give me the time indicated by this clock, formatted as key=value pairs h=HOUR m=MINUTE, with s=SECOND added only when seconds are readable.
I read h=7 m=32 s=2
